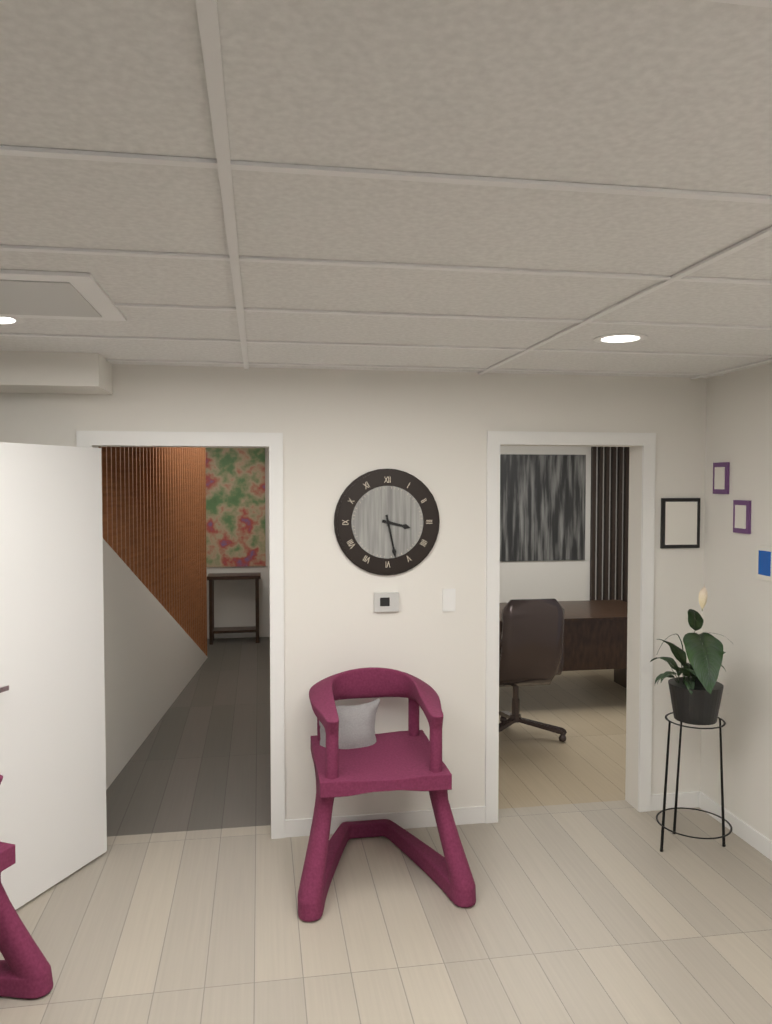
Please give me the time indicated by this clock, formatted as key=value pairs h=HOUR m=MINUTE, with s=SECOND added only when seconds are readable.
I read h=3 m=28
